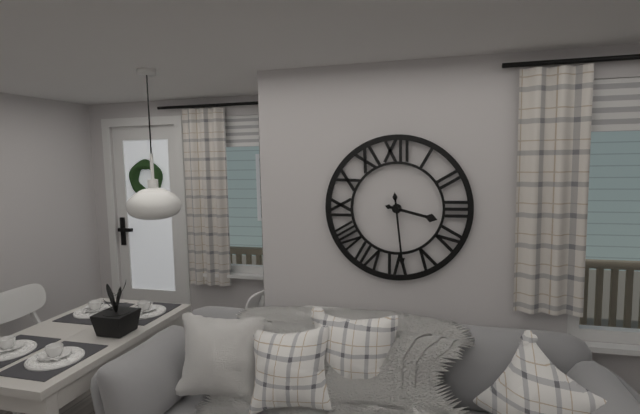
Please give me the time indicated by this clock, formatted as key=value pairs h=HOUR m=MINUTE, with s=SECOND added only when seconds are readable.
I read h=3 m=29
